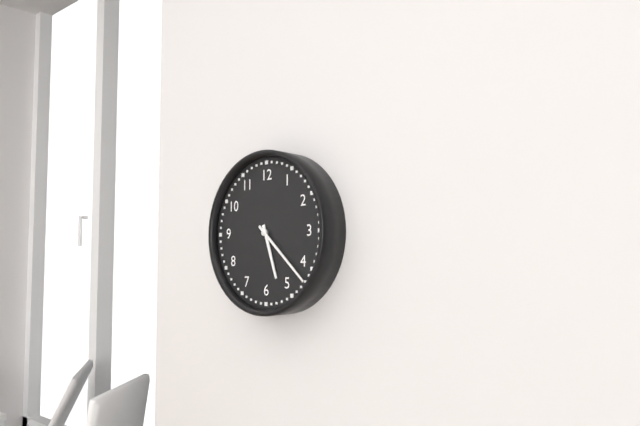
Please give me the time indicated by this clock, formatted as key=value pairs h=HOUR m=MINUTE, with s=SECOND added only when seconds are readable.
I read h=5 m=22
